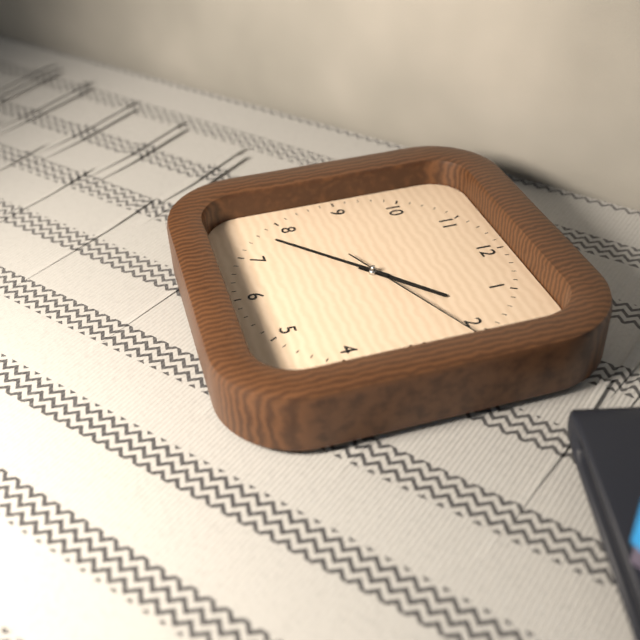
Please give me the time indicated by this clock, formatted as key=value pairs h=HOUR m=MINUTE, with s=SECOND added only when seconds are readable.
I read h=1 m=38 s=11
